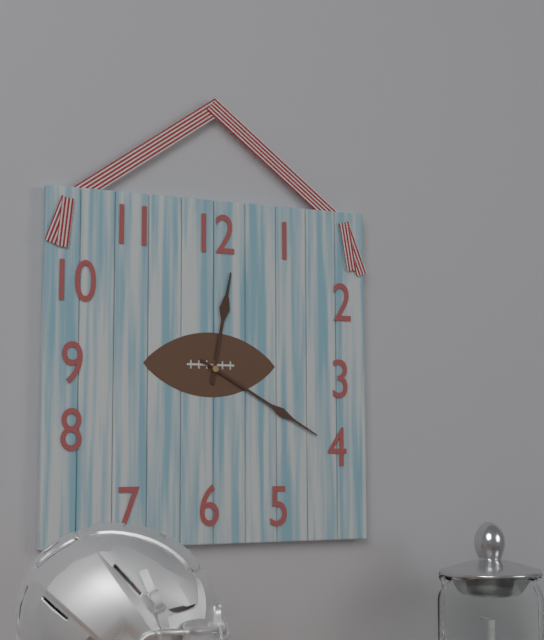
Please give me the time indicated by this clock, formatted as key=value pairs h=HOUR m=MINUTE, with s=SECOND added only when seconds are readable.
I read h=12 m=20
